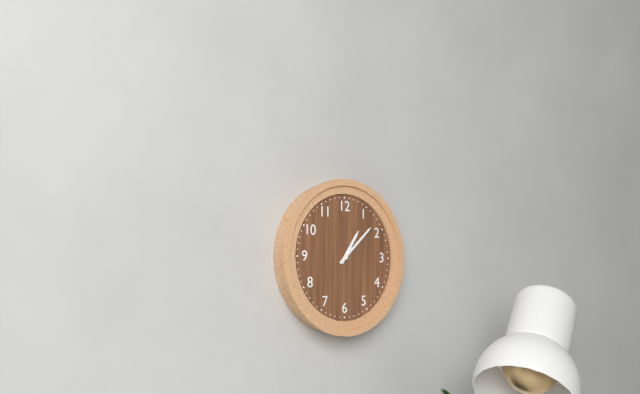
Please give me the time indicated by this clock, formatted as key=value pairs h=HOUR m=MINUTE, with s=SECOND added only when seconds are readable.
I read h=1 m=8
